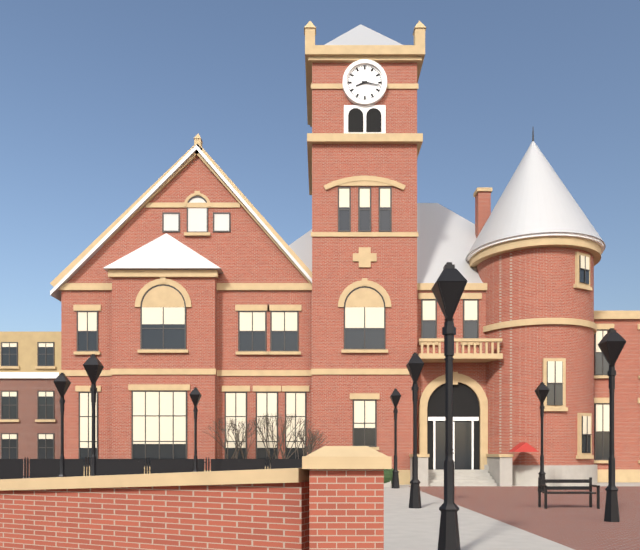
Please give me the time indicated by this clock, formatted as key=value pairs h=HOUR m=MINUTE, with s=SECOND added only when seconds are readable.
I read h=8 m=17
